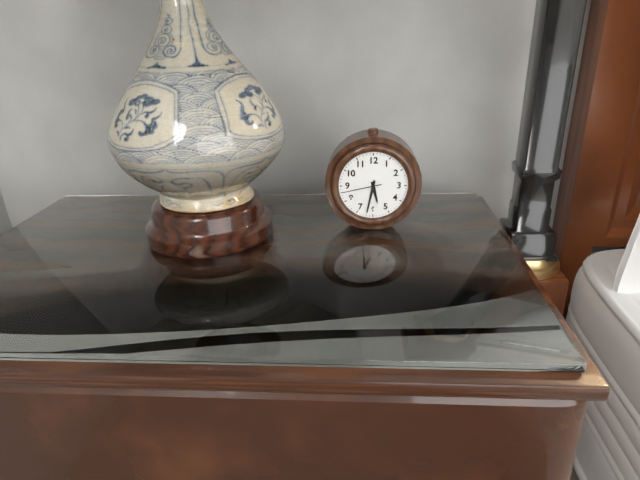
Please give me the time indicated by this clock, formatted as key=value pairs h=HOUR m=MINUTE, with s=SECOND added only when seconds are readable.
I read h=5 m=32
